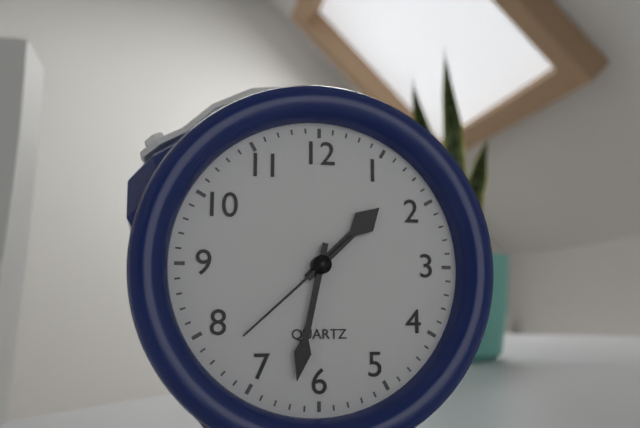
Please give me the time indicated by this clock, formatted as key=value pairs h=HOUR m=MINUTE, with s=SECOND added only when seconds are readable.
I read h=1 m=32 s=38
